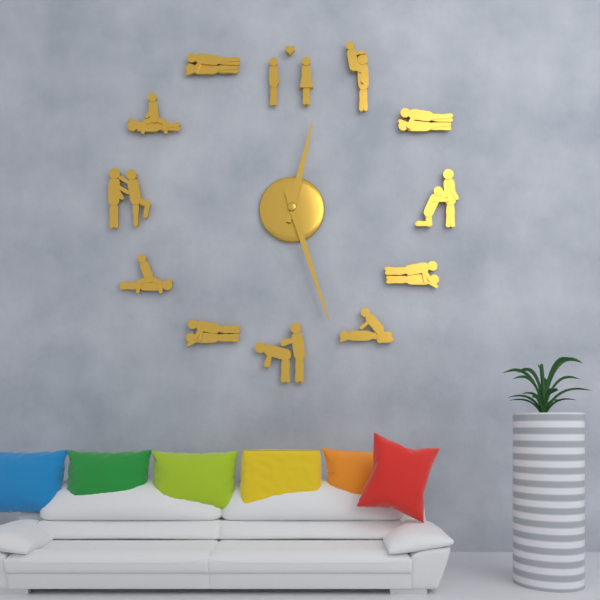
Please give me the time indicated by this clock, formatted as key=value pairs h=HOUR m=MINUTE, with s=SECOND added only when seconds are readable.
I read h=12 m=27
